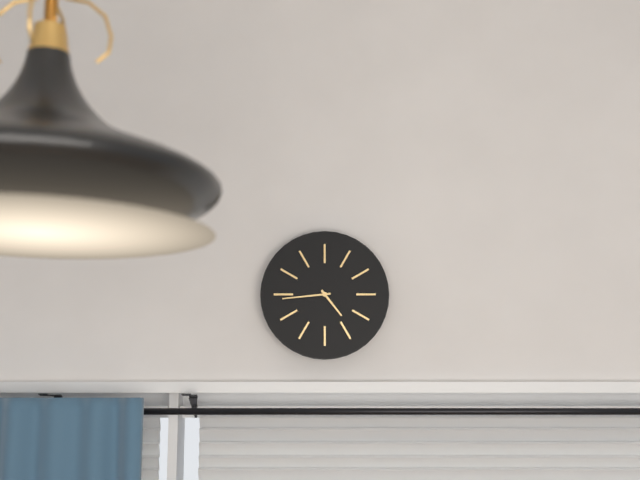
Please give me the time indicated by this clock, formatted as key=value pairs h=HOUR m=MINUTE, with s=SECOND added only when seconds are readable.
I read h=4 m=44
